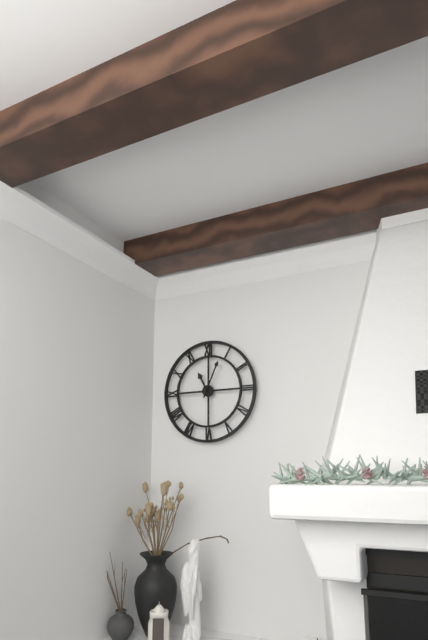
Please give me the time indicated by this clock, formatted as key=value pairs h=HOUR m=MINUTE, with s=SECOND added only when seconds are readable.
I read h=11 m=4
